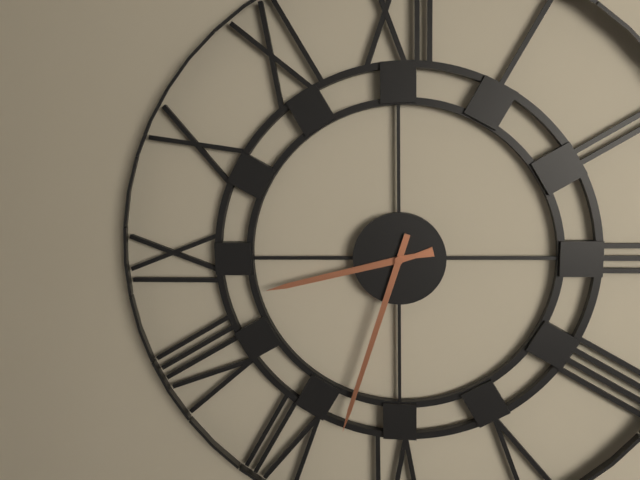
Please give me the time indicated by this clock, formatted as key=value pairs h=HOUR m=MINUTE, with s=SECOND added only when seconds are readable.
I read h=8 m=33
